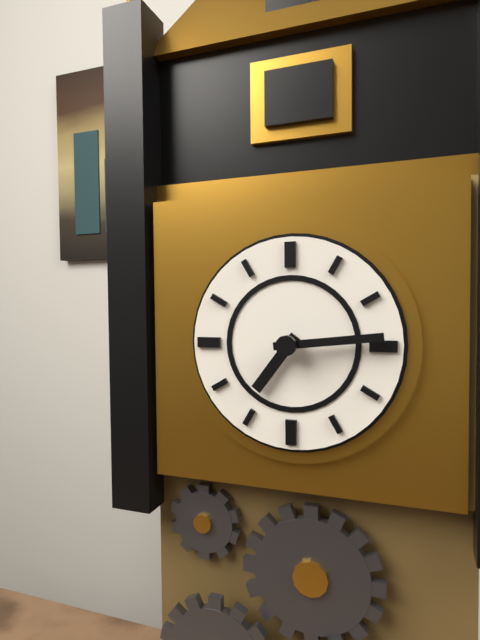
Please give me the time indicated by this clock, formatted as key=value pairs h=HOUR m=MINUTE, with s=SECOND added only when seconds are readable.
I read h=7 m=14
